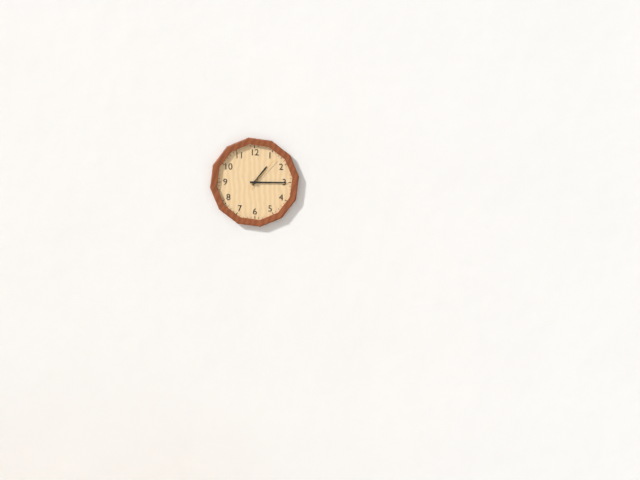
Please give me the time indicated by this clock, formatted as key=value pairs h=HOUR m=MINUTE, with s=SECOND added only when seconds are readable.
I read h=1 m=15
